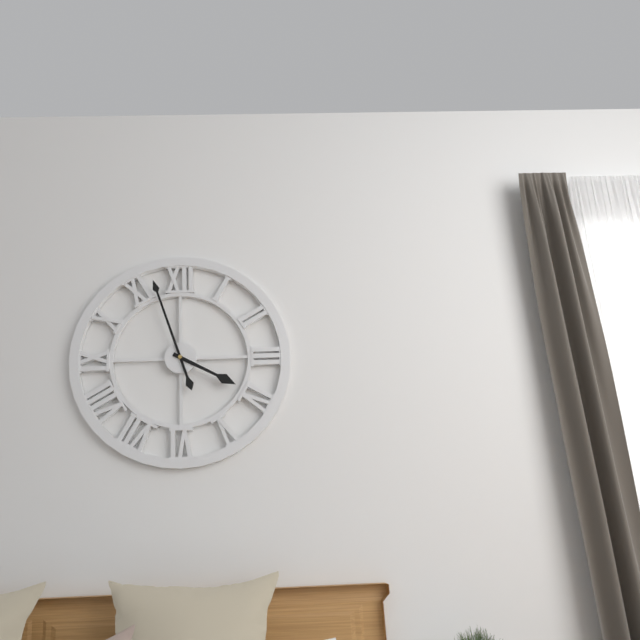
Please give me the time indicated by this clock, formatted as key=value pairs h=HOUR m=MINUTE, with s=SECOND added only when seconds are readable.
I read h=3 m=57
